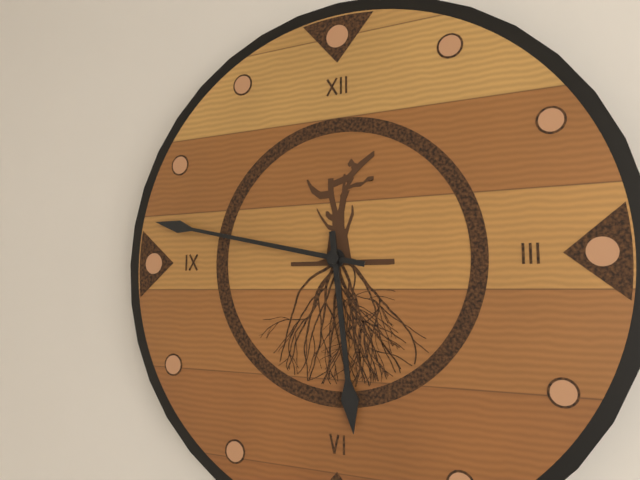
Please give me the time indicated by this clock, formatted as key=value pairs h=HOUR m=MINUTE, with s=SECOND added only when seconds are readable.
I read h=5 m=47
